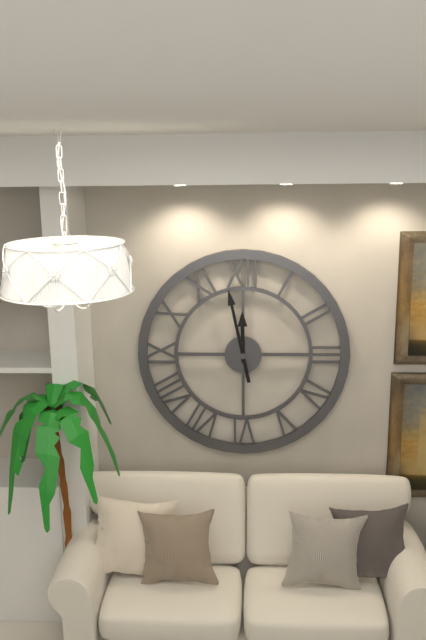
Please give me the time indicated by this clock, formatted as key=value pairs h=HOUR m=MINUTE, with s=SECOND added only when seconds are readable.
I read h=11 m=58
